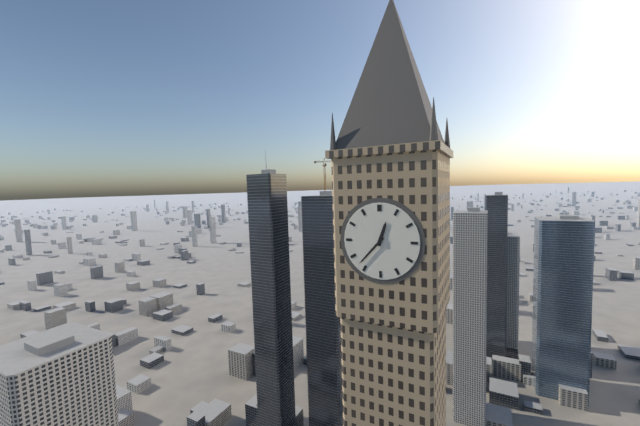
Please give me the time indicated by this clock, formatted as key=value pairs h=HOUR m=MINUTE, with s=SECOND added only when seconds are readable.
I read h=12 m=37
